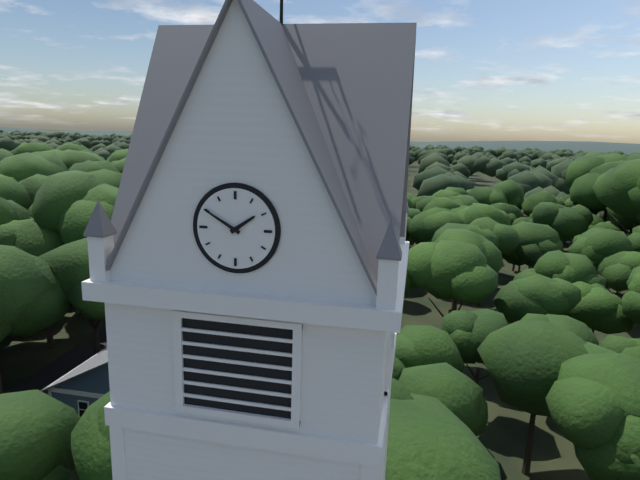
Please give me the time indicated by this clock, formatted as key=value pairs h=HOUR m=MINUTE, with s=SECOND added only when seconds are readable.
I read h=1 m=50
